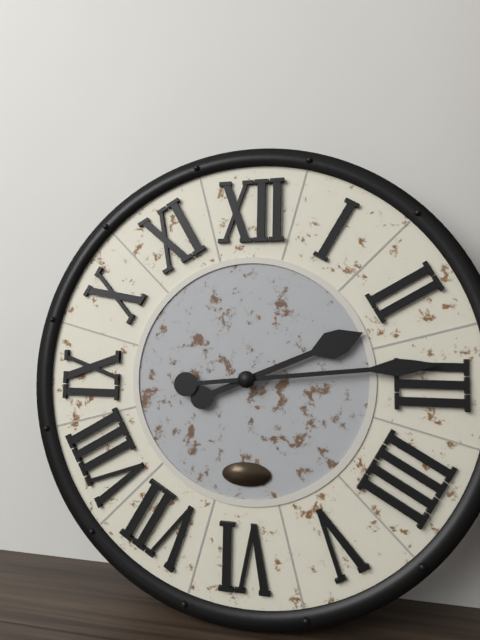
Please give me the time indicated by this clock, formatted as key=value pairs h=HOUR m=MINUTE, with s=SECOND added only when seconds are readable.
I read h=2 m=14
